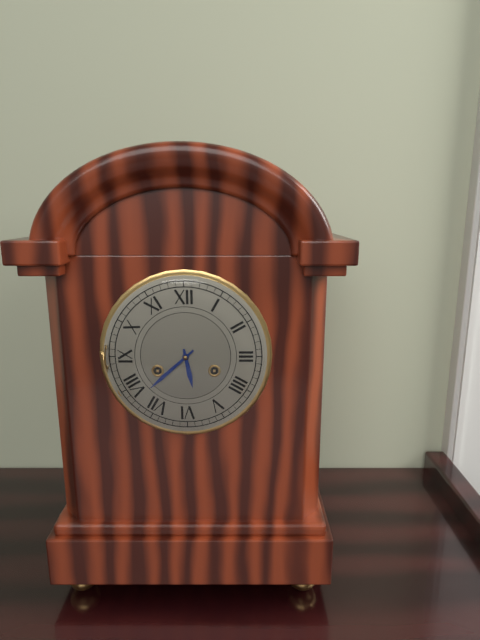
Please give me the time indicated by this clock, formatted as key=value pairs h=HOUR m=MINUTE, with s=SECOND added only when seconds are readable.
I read h=5 m=38
